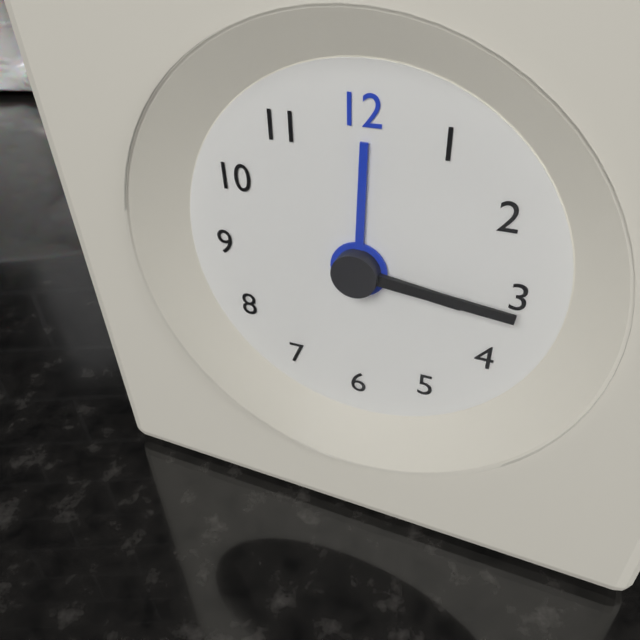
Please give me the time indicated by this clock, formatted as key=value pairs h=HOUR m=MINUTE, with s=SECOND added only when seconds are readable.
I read h=3 m=16
